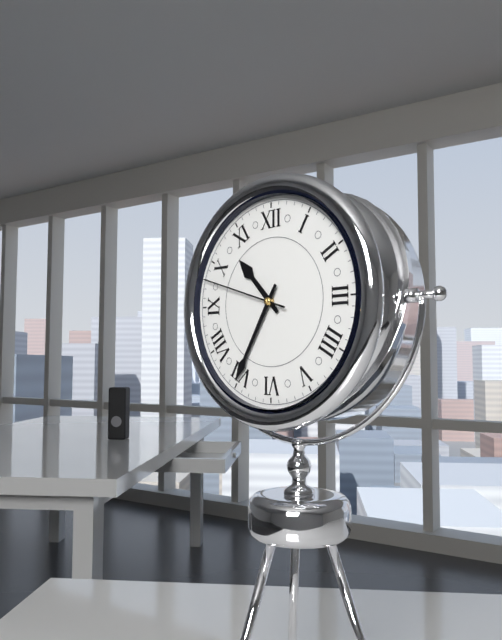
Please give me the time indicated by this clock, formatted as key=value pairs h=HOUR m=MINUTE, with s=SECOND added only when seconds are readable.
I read h=10 m=35 s=48
